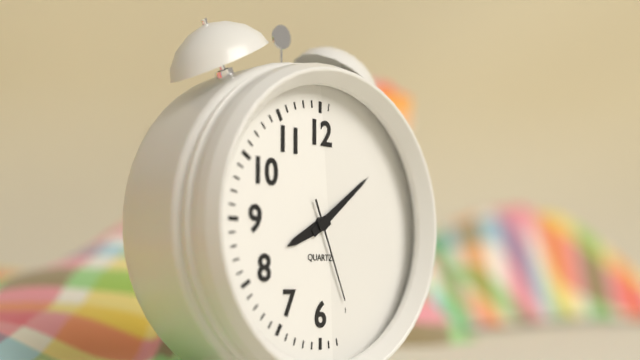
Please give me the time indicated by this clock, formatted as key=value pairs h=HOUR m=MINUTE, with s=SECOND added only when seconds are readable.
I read h=8 m=9 s=26
